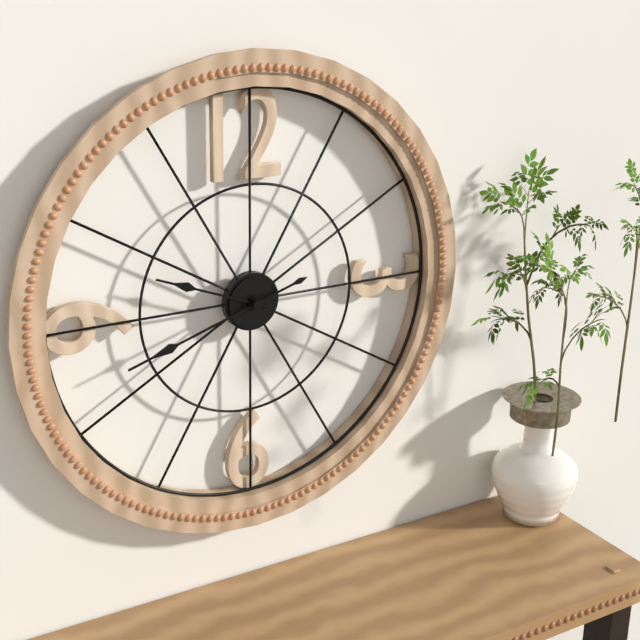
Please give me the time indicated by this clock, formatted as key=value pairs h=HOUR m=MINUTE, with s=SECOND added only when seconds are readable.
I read h=9 m=42
